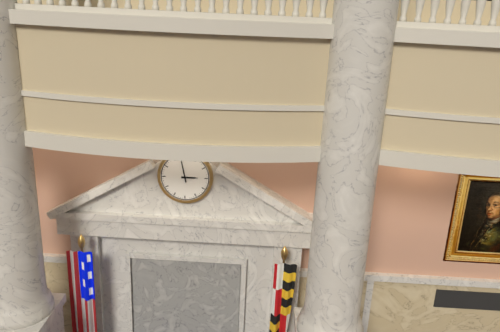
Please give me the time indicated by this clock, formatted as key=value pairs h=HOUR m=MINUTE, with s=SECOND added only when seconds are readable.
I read h=2 m=58
